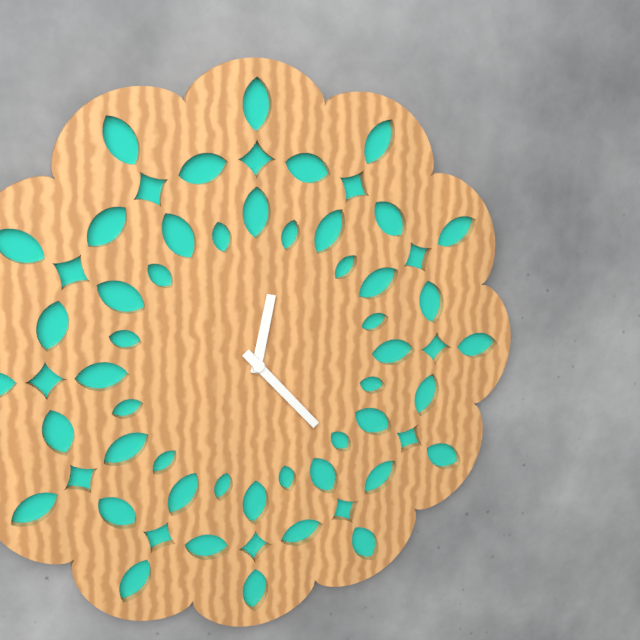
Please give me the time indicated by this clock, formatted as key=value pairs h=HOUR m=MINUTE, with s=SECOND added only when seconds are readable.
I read h=12 m=23
